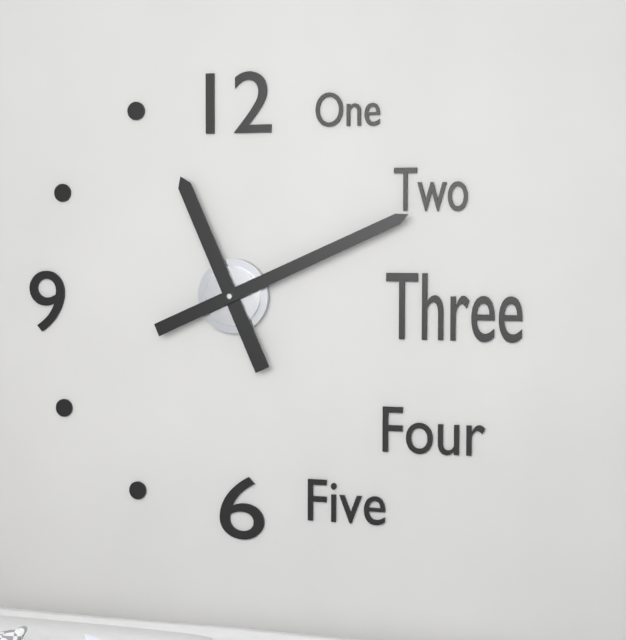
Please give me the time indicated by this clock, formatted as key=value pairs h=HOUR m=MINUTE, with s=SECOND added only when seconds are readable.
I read h=11 m=11
